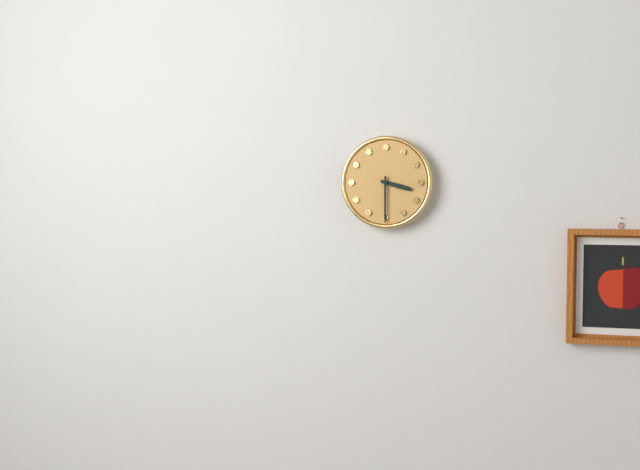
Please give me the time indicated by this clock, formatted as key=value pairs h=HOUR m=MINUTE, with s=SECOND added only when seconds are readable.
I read h=3 m=30
